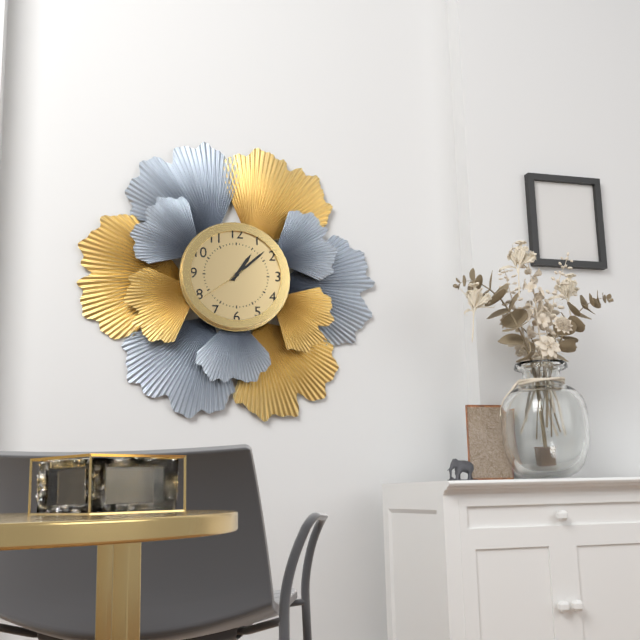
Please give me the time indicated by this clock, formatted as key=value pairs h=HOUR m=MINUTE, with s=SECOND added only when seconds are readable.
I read h=1 m=8
